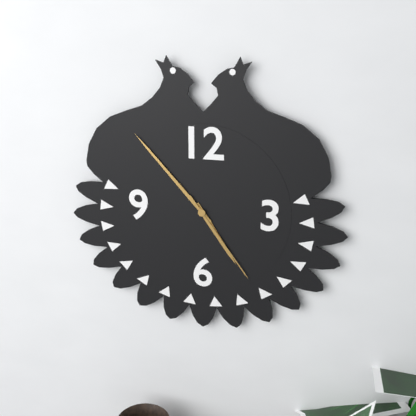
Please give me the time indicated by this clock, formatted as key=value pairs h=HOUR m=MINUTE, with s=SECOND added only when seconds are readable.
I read h=4 m=53 s=24
